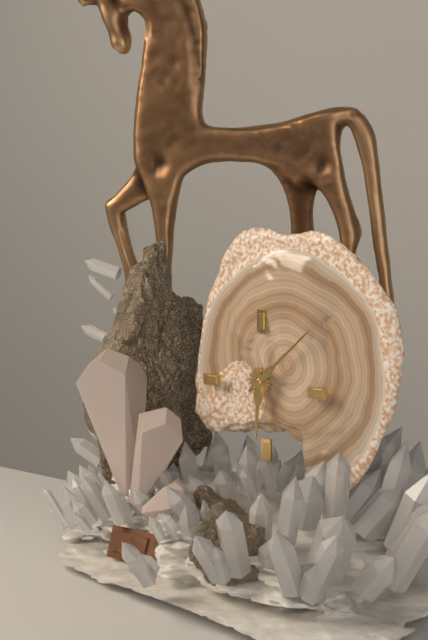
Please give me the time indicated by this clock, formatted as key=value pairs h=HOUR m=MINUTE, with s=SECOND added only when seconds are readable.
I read h=6 m=8
